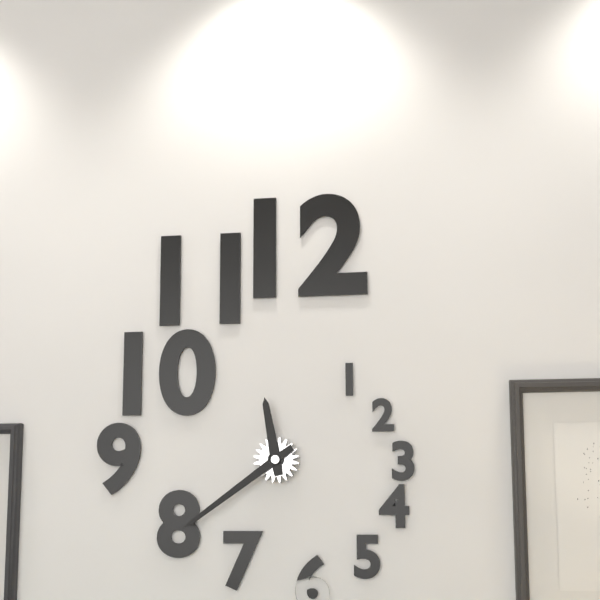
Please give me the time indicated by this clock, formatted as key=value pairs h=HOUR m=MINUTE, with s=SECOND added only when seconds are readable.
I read h=11 m=39
